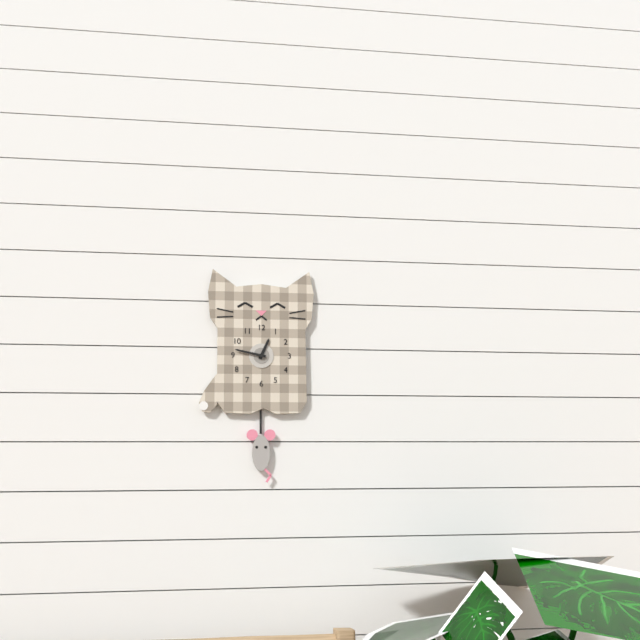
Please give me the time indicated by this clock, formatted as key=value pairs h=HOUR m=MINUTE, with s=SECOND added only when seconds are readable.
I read h=12 m=47
